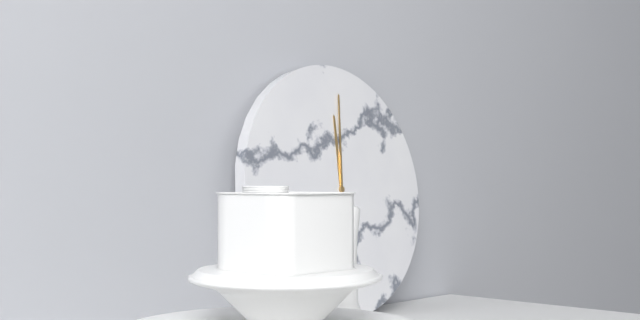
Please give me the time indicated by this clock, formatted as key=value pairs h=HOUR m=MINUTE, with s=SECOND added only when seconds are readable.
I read h=12 m=1
